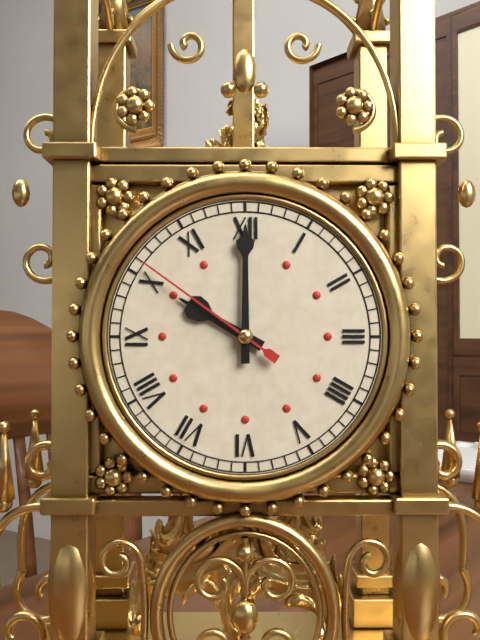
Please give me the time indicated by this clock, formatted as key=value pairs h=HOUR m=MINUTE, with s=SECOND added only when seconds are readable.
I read h=10 m=0 s=51
